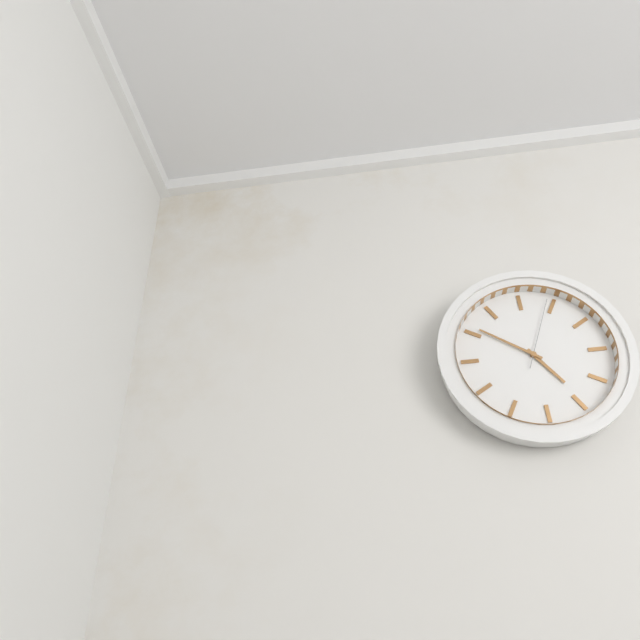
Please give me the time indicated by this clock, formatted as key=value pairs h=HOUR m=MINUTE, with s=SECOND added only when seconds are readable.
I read h=4 m=51 s=4
